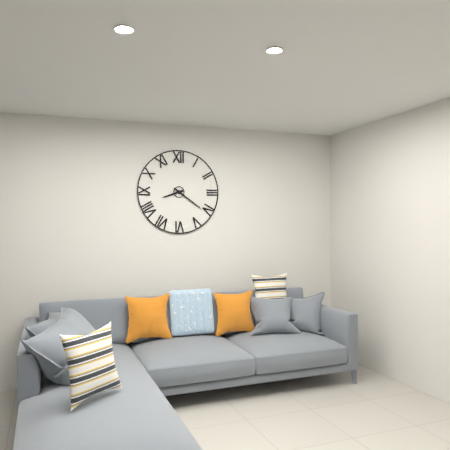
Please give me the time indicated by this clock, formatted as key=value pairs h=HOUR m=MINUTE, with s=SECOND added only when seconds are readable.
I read h=8 m=21
